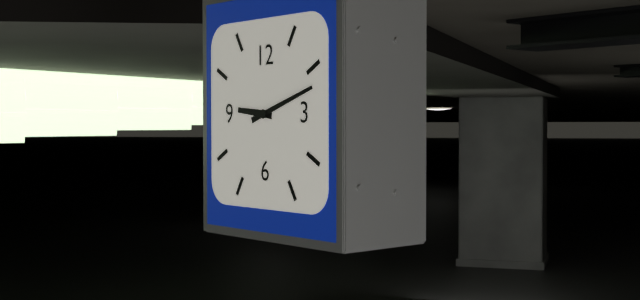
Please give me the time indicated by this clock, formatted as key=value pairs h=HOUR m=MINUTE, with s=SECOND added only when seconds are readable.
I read h=9 m=12
